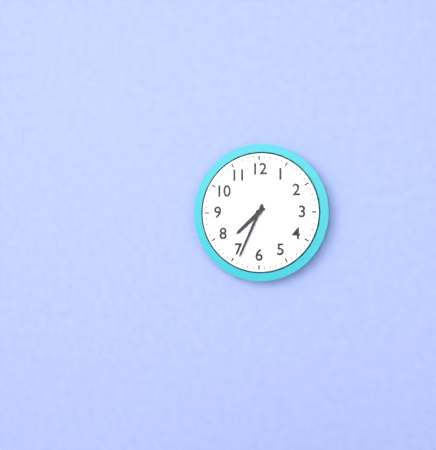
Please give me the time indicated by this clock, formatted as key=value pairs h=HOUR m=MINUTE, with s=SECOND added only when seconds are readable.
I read h=7 m=34
